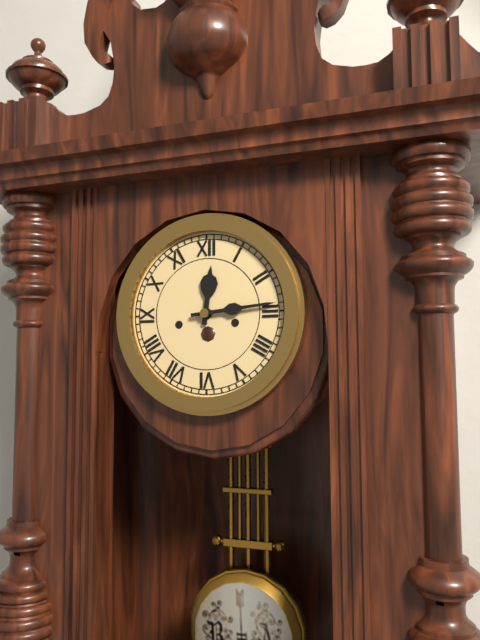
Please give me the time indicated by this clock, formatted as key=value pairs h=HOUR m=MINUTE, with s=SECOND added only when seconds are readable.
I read h=12 m=14
